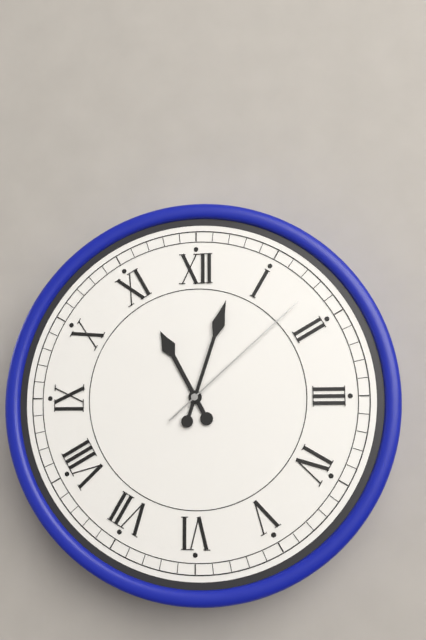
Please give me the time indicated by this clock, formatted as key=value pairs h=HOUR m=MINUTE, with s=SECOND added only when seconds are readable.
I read h=11 m=3 s=8
